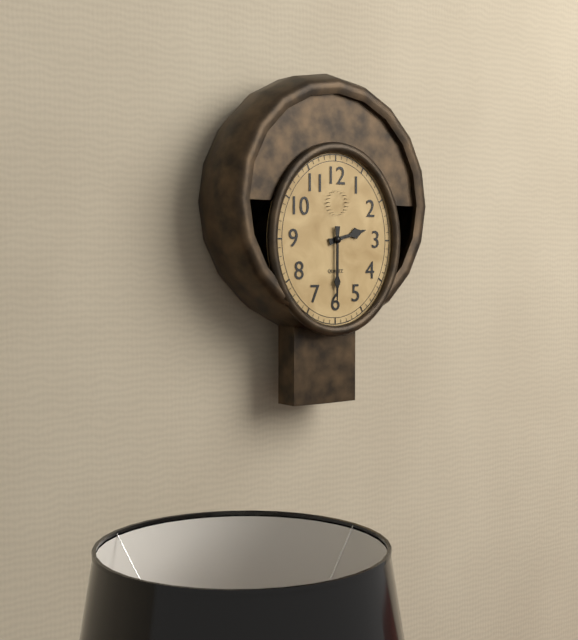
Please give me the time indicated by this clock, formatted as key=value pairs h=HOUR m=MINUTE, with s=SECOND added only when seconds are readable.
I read h=2 m=30
